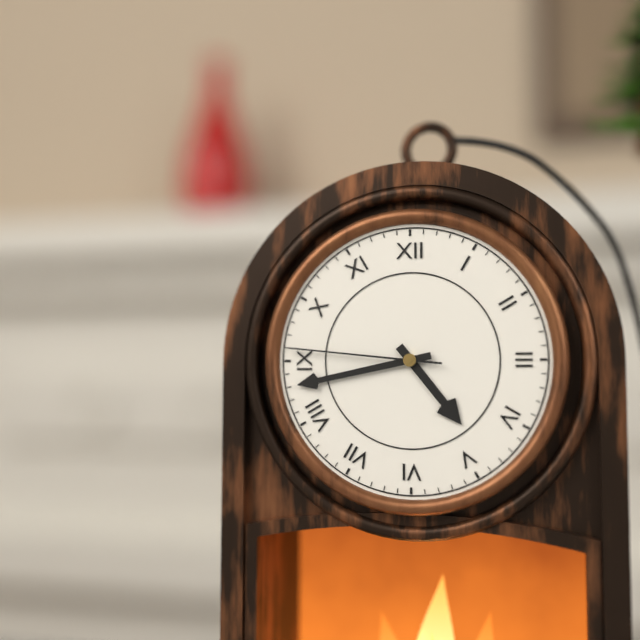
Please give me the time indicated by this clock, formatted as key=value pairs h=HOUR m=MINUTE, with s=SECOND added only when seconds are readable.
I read h=4 m=43 s=46
